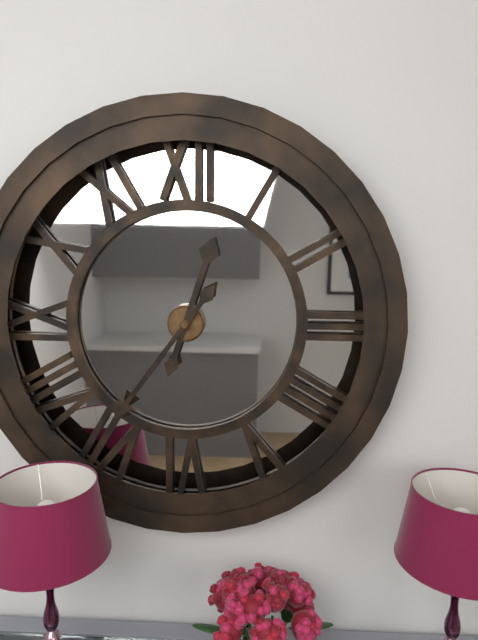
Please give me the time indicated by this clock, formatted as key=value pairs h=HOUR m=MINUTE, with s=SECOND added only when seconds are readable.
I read h=12 m=36
